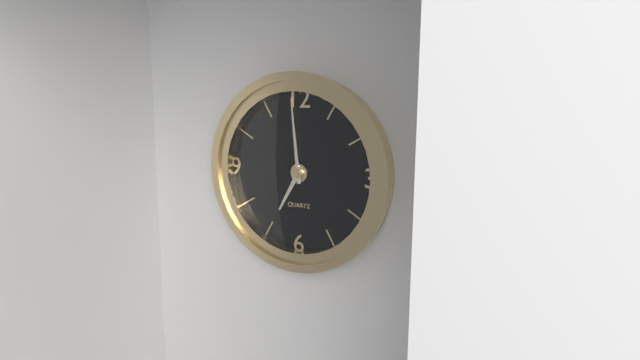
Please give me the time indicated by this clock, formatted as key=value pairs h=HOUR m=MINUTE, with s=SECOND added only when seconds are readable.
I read h=6 m=59
